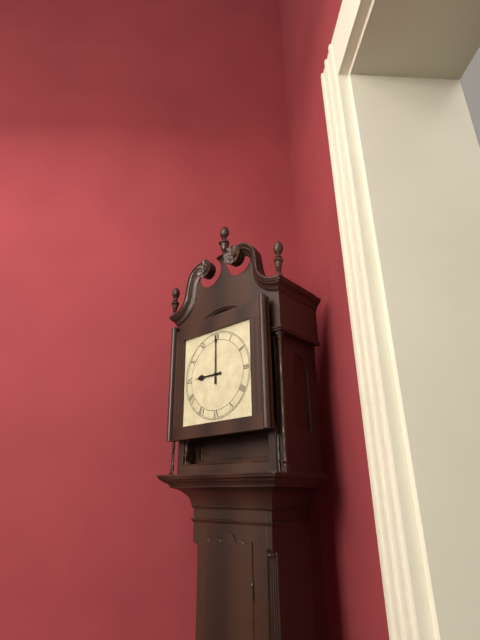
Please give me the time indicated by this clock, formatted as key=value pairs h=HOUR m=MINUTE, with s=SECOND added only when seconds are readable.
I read h=9 m=0
